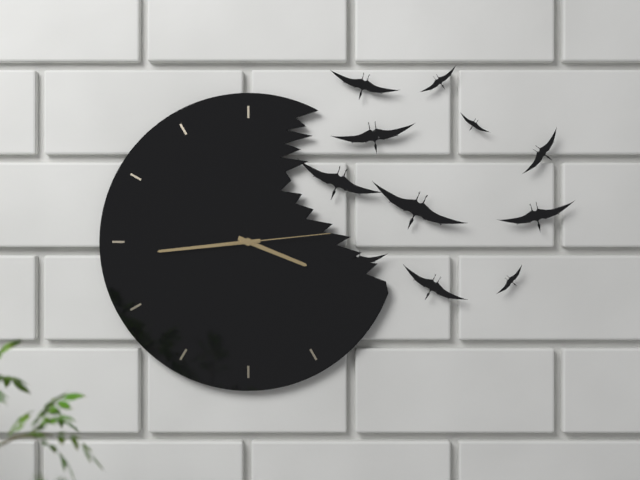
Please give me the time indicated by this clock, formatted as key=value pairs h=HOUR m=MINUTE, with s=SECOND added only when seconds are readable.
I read h=3 m=44 s=14
